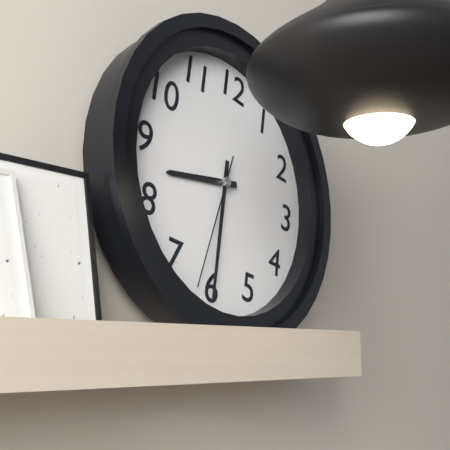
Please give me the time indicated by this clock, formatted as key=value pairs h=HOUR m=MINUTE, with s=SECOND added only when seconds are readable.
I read h=8 m=30 s=32
